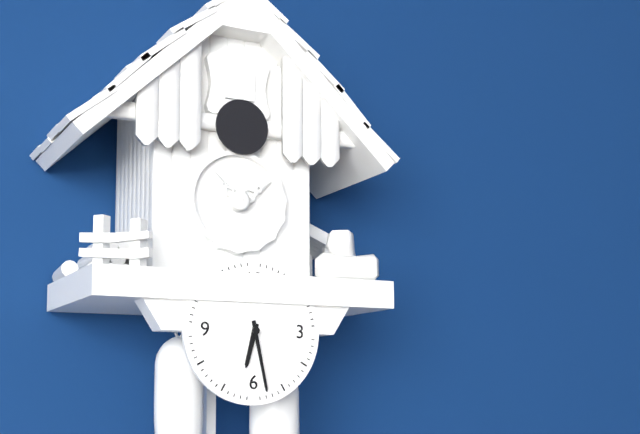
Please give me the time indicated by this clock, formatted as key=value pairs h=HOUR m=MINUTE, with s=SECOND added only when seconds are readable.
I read h=6 m=28
